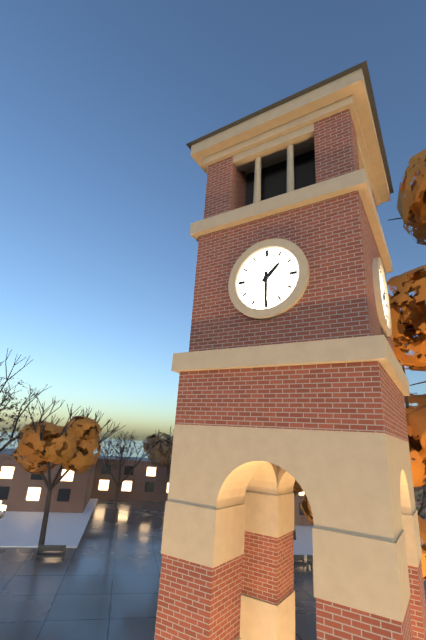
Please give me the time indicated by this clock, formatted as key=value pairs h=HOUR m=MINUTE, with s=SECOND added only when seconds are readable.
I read h=1 m=30
